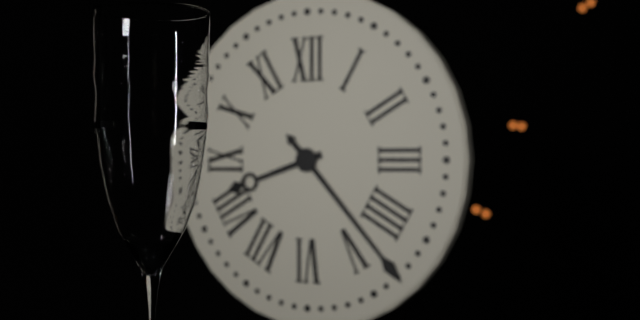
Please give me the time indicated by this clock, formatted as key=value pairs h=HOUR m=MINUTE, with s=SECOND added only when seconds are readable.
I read h=8 m=23
